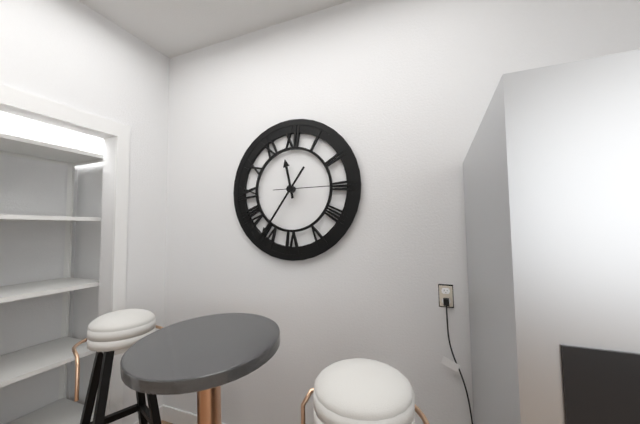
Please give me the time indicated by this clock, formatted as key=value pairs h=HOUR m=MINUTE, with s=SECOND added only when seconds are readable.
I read h=11 m=36 s=15
